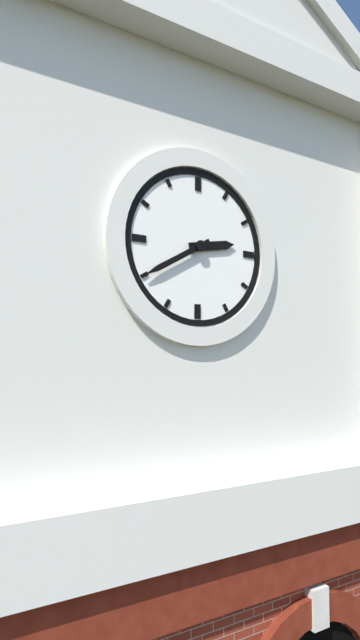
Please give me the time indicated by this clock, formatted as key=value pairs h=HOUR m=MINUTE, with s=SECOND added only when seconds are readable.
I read h=2 m=40
